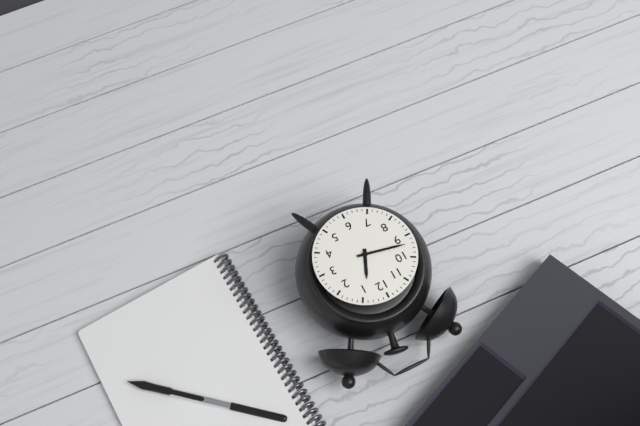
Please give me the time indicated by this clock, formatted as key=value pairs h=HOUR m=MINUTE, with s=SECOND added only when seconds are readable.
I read h=12 m=47
